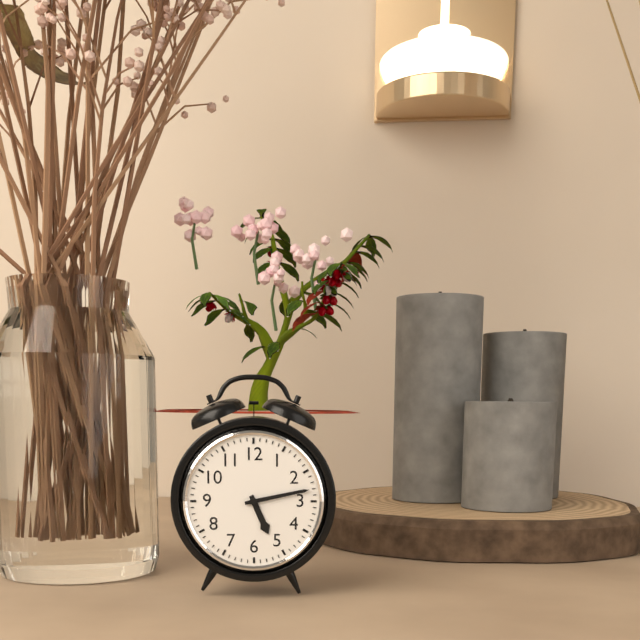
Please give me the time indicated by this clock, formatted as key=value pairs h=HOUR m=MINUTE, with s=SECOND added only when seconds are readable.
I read h=5 m=13
